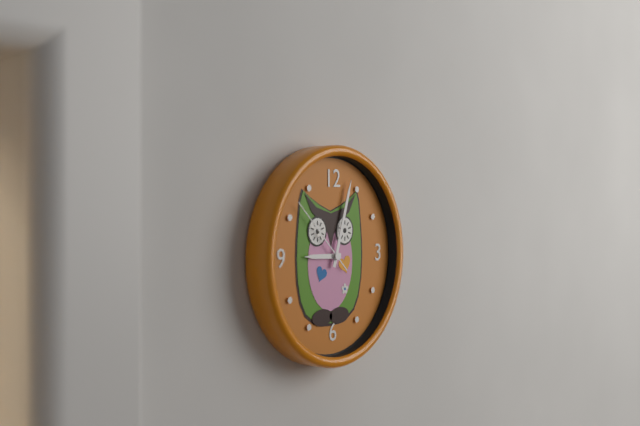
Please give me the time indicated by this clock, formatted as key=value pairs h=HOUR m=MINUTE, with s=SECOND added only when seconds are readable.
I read h=9 m=3 s=52
